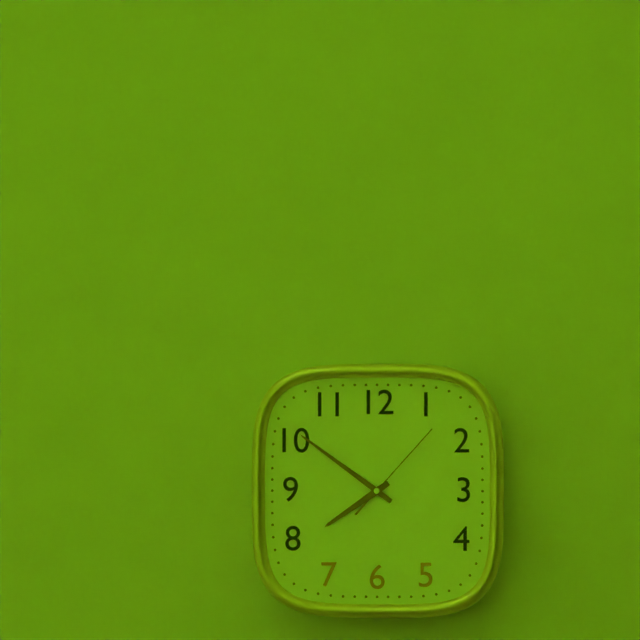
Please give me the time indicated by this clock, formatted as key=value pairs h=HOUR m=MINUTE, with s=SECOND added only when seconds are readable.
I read h=7 m=51 s=7
